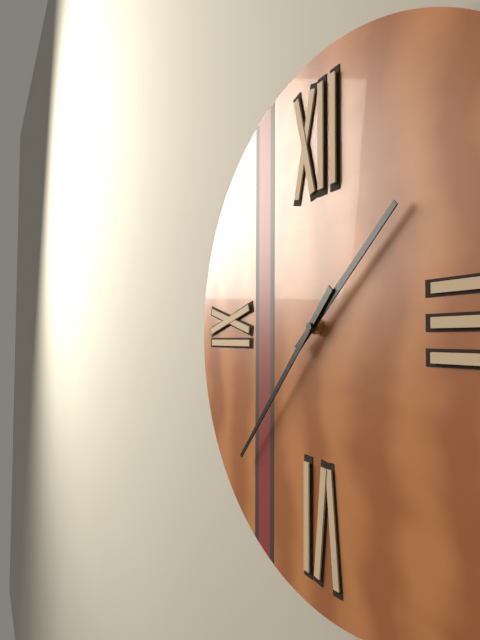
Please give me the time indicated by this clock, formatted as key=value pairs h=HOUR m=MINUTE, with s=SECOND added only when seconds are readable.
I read h=1 m=37
